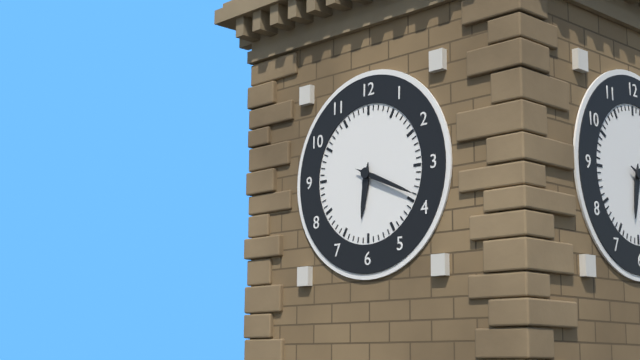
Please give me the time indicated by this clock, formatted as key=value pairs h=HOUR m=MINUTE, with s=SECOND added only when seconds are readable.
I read h=6 m=19
